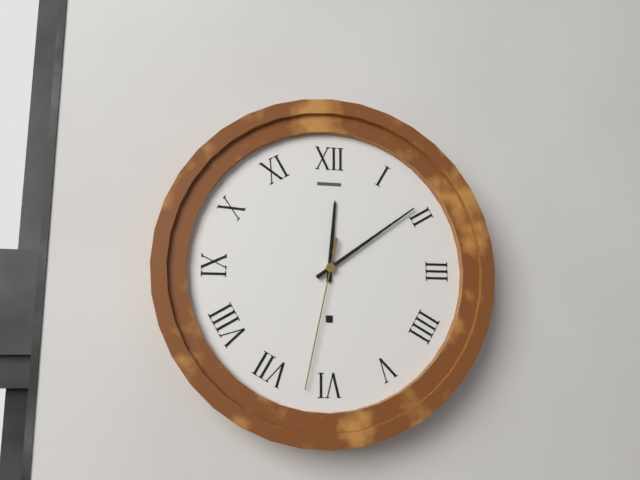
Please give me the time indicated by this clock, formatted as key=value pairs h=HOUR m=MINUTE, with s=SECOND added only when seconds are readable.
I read h=12 m=9 s=32
